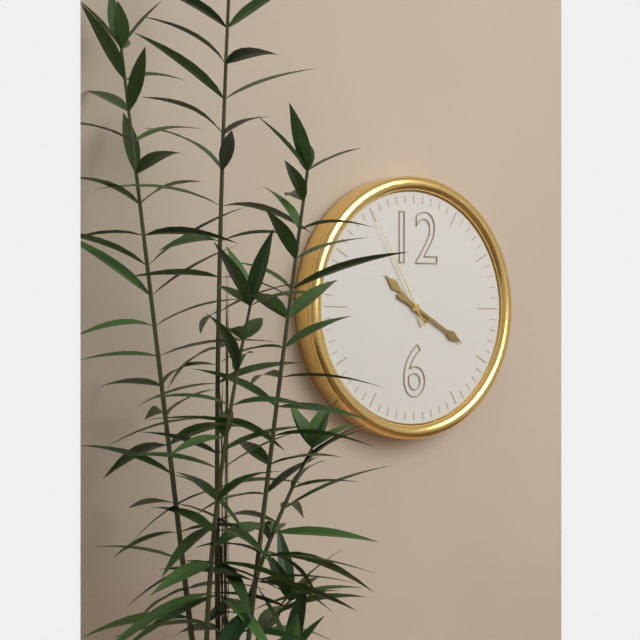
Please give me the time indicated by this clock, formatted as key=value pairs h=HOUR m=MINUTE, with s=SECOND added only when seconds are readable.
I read h=10 m=20 s=55
